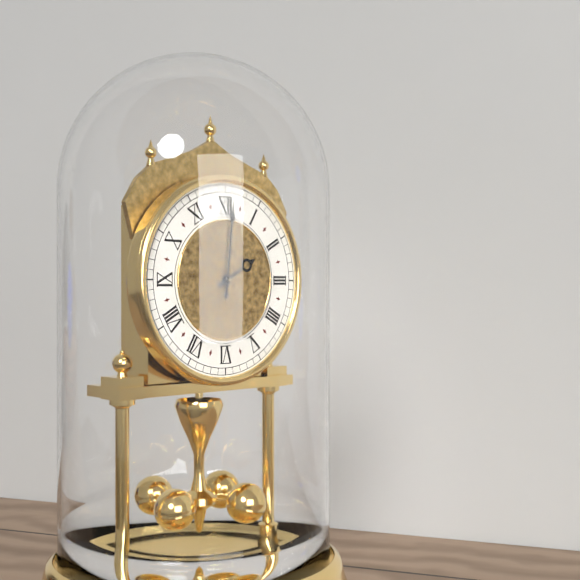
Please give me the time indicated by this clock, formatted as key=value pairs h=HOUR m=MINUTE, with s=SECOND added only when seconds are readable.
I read h=2 m=1
